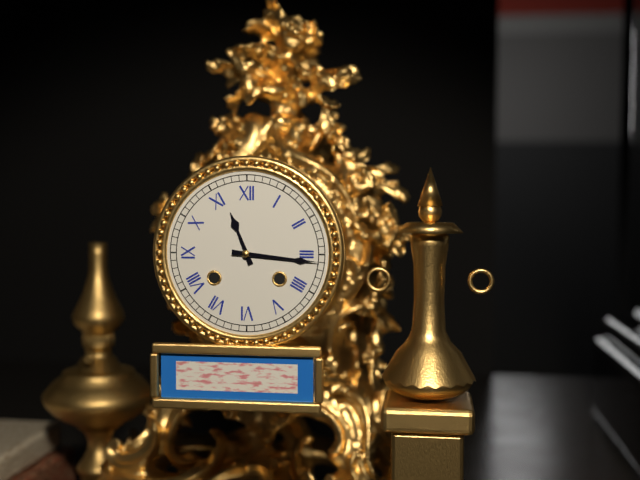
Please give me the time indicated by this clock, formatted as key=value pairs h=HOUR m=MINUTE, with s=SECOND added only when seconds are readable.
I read h=11 m=16
